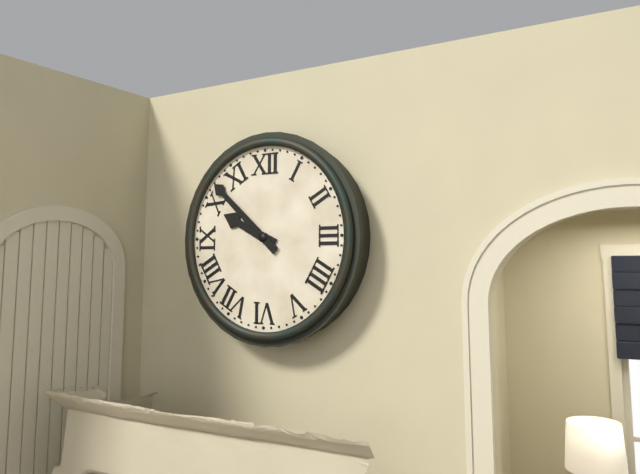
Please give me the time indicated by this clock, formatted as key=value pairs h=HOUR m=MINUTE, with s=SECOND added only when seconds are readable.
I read h=9 m=52
